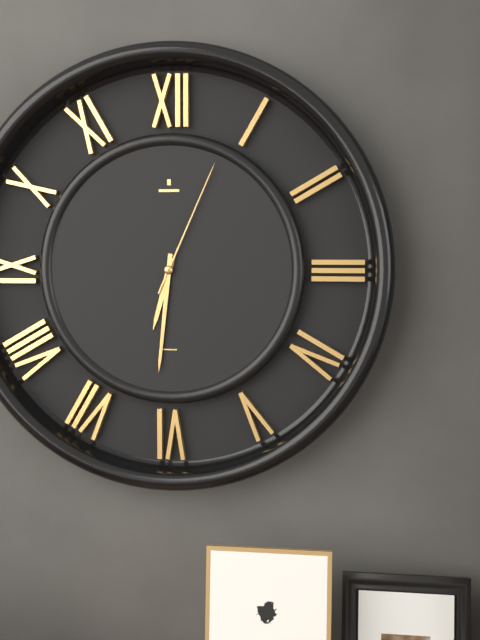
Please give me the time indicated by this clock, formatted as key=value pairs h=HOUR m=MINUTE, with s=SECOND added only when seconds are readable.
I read h=6 m=31 s=4
